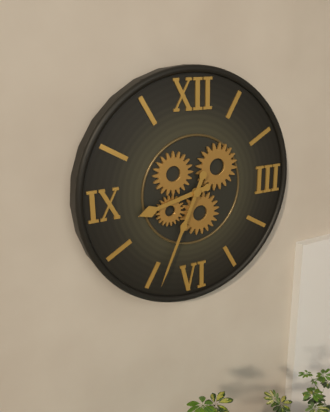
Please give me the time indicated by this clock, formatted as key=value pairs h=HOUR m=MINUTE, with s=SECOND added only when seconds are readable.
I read h=8 m=34
